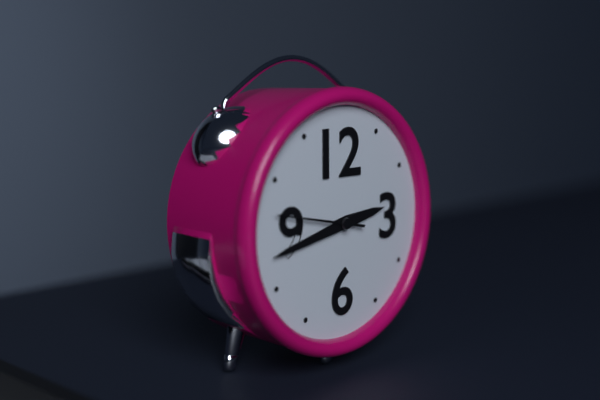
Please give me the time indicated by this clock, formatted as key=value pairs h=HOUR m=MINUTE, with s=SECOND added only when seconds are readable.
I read h=2 m=43 s=47
